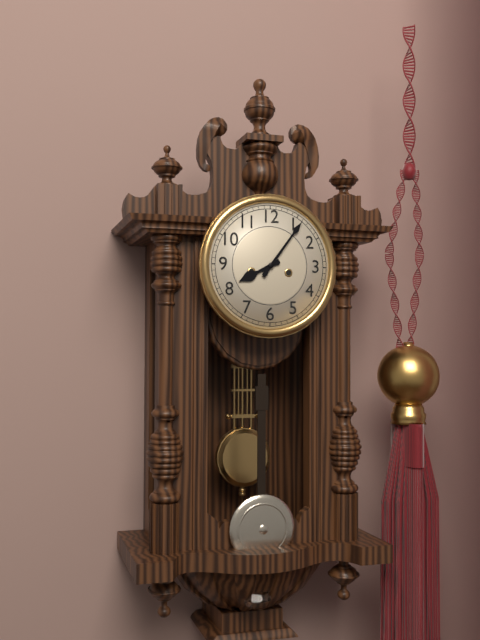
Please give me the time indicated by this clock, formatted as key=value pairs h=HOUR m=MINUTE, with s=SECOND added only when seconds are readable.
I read h=8 m=6
